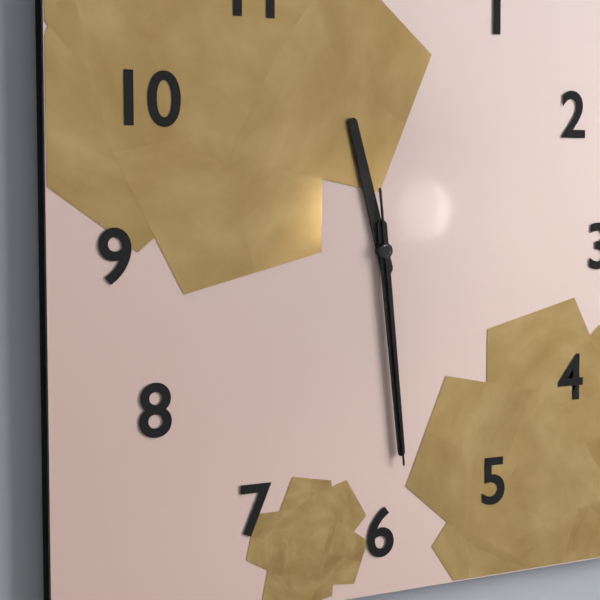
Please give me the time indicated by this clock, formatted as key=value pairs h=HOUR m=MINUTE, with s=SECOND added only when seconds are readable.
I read h=11 m=29 s=29
